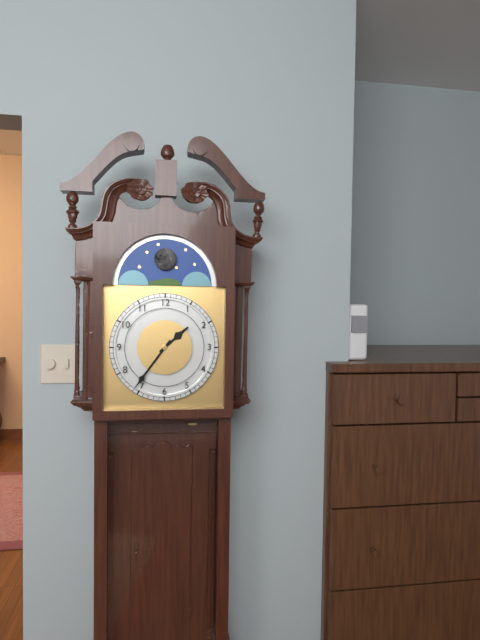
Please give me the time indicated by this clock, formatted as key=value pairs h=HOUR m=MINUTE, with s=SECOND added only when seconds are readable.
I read h=1 m=36
